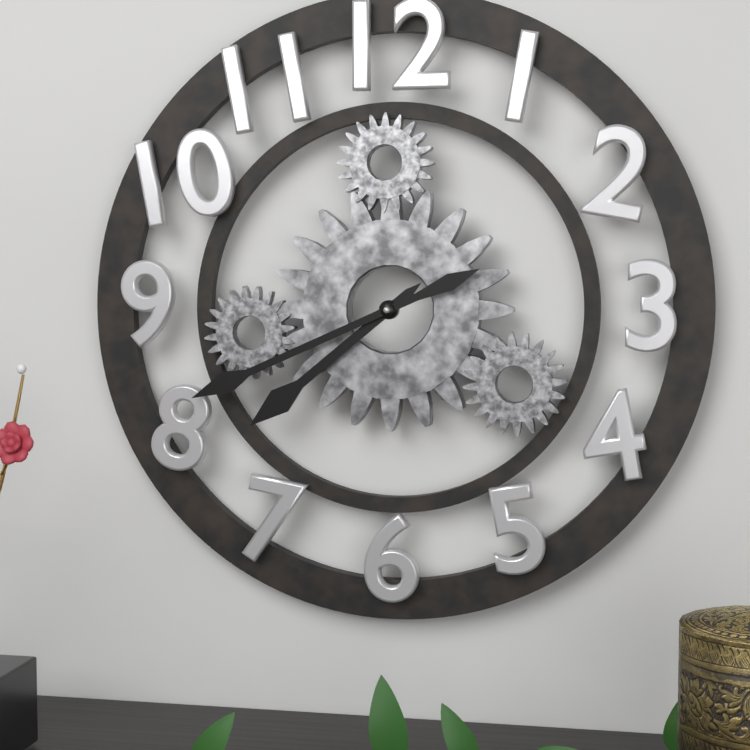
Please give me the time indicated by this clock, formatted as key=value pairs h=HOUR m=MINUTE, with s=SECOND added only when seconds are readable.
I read h=7 m=41
